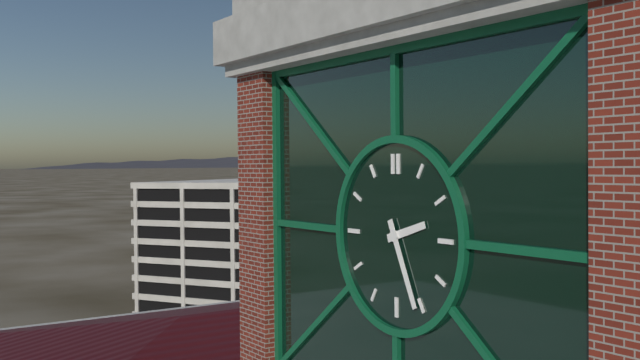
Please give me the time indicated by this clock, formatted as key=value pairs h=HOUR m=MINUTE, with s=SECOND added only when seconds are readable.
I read h=2 m=26
